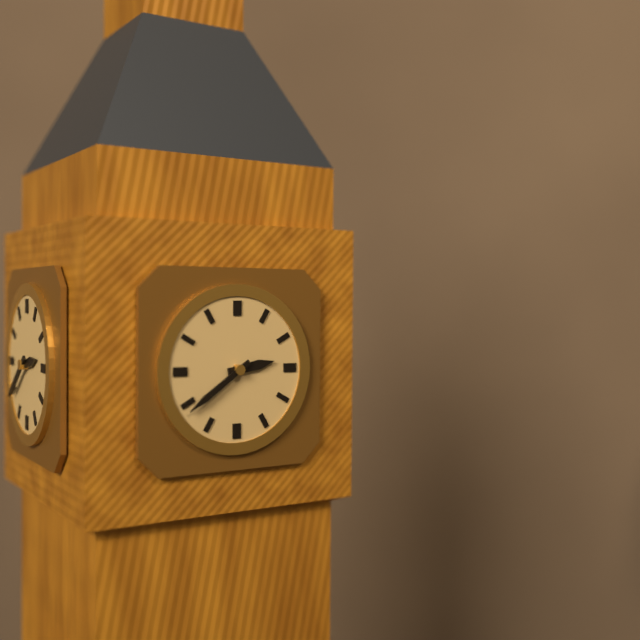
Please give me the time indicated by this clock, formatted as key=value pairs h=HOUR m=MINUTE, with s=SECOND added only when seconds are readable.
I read h=2 m=39
